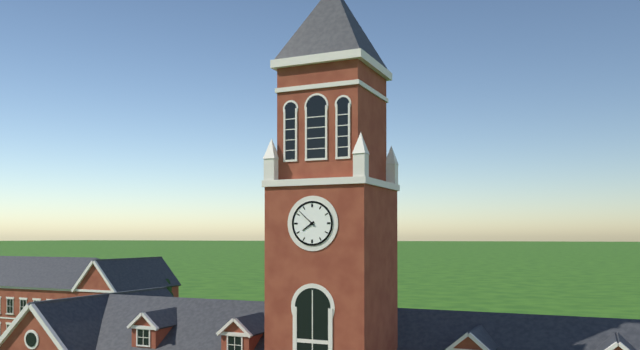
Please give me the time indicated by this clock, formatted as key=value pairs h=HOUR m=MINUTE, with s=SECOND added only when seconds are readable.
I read h=7 m=52
